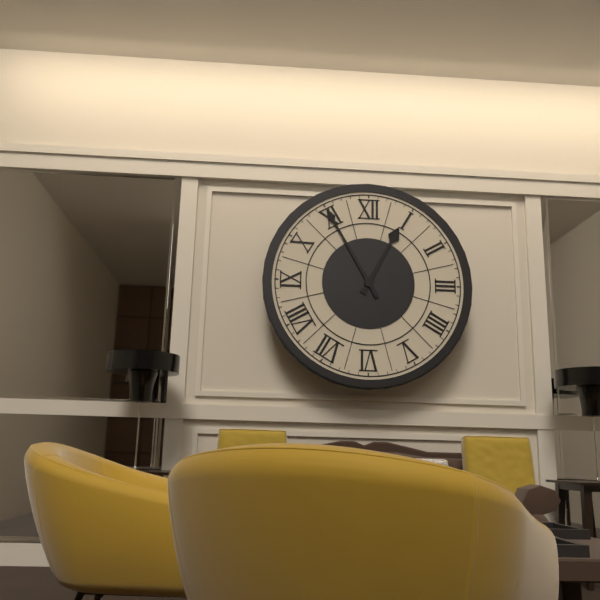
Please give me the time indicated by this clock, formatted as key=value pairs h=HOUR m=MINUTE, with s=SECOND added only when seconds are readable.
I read h=12 m=55
